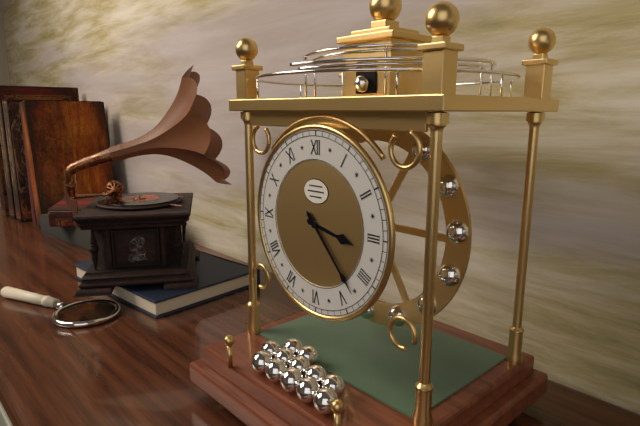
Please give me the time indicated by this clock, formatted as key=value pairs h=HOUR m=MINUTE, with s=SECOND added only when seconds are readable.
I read h=3 m=23
